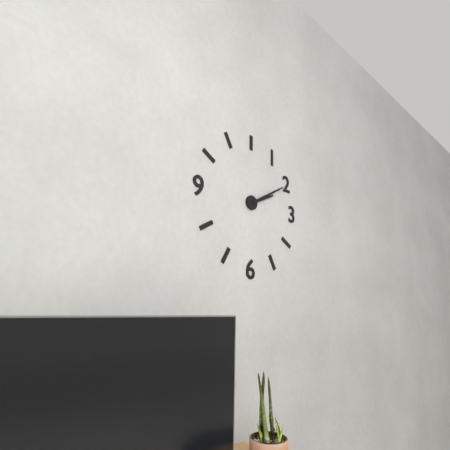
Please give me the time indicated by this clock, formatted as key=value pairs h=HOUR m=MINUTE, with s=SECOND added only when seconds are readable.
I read h=2 m=10
